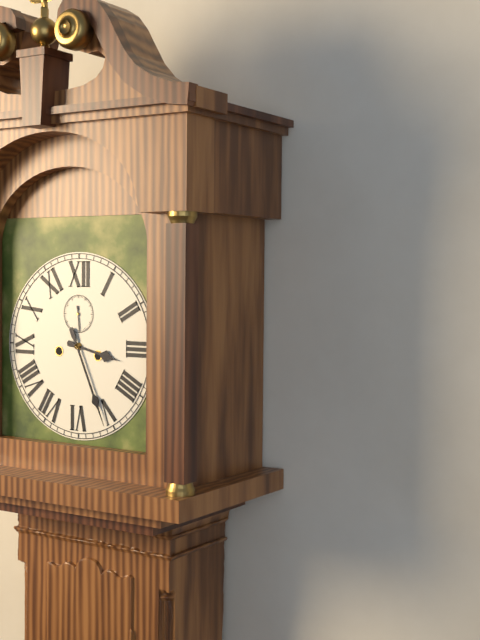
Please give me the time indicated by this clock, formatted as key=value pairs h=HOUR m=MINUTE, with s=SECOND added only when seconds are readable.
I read h=3 m=26
